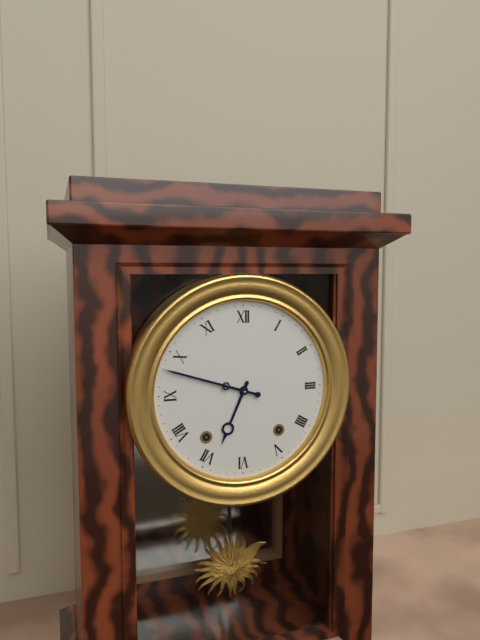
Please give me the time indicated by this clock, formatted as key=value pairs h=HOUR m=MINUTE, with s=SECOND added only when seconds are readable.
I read h=6 m=48
